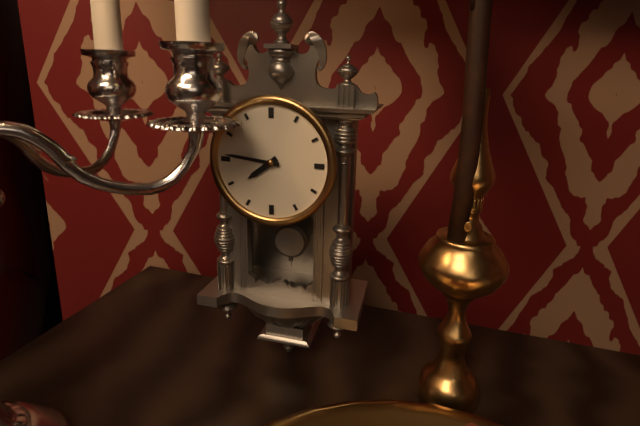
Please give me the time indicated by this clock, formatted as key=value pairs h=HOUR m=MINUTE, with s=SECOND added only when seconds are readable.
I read h=7 m=46
